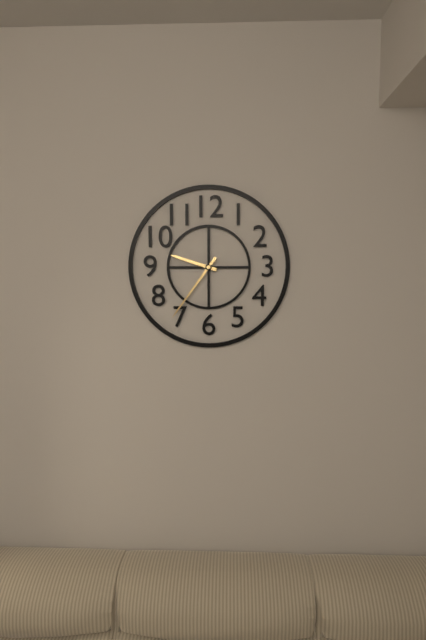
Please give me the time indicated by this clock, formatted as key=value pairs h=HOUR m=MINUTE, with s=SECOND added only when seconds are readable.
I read h=9 m=36
